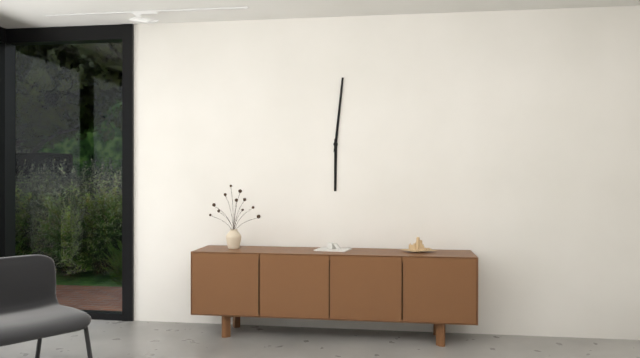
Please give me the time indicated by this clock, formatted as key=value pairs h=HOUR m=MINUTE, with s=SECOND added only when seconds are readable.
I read h=6 m=1
